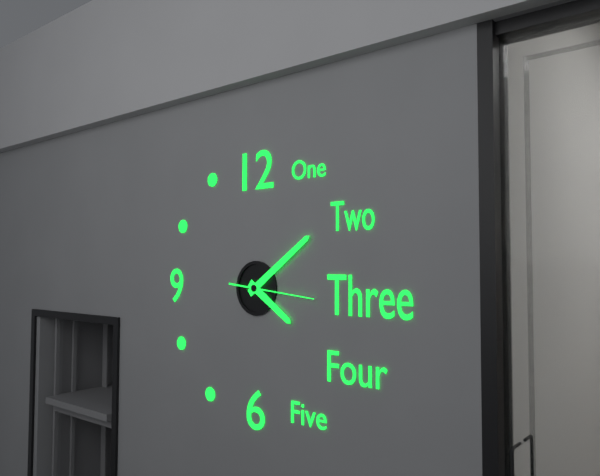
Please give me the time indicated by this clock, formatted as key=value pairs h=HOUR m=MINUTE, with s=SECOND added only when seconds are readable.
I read h=4 m=9 s=16
